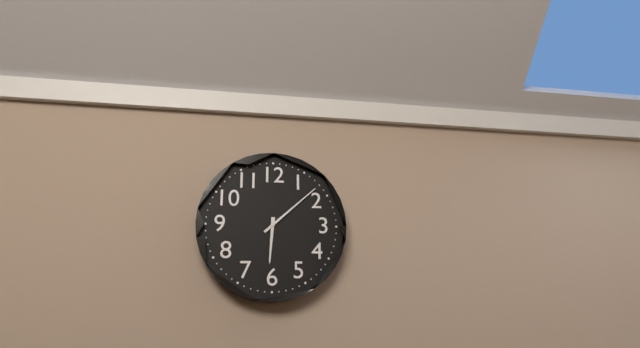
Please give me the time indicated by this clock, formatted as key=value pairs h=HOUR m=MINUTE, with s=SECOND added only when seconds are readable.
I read h=6 m=8
